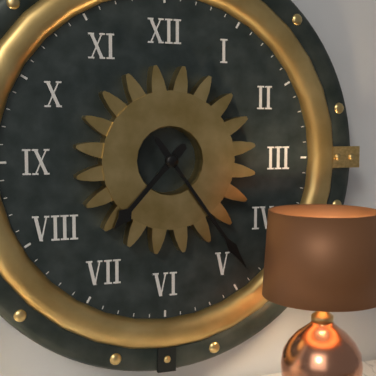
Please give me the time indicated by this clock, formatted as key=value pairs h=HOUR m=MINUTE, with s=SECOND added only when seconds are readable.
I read h=7 m=24
